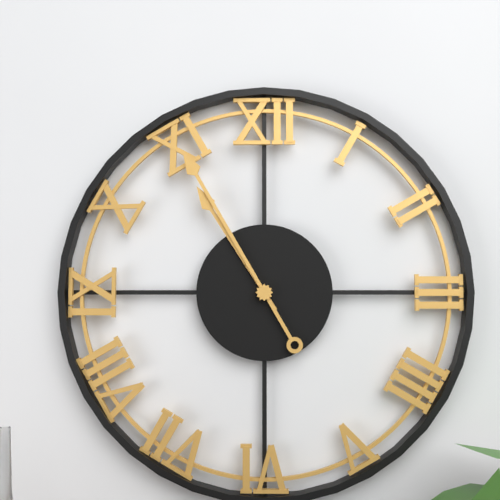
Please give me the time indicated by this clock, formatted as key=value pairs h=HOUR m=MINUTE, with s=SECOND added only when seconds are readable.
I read h=10 m=55
